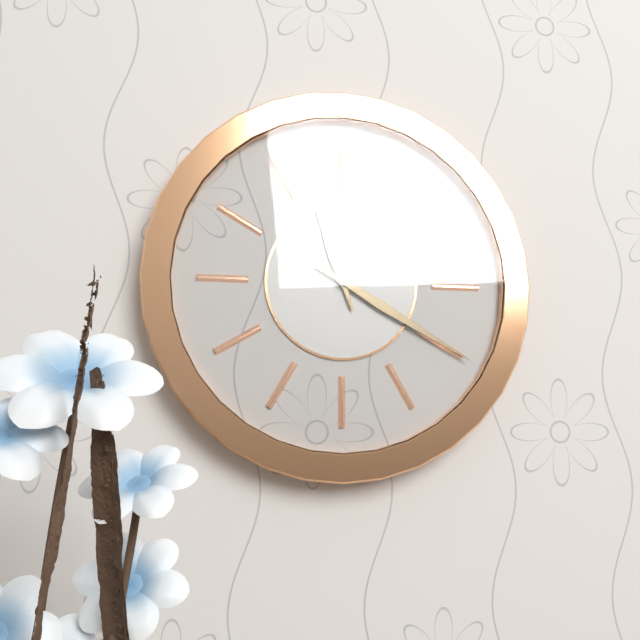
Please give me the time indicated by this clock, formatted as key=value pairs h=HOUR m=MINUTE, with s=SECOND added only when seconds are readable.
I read h=11 m=20
